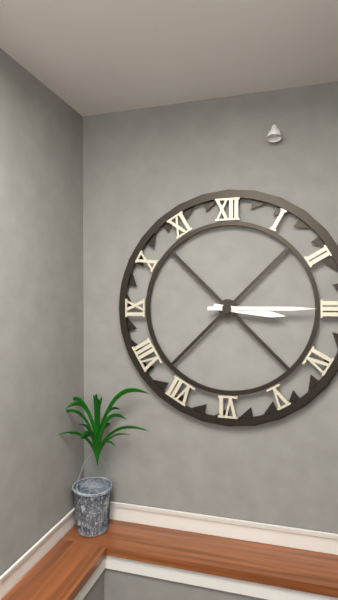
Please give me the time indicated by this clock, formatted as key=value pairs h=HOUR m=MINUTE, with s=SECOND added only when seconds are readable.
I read h=3 m=15
